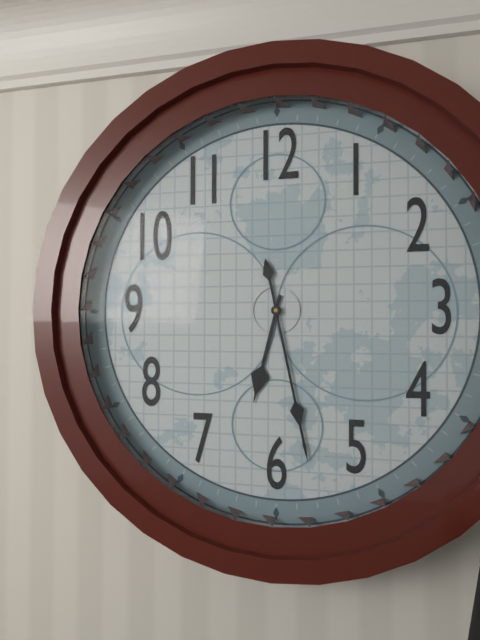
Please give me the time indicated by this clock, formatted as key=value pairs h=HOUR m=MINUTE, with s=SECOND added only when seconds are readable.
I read h=6 m=28
